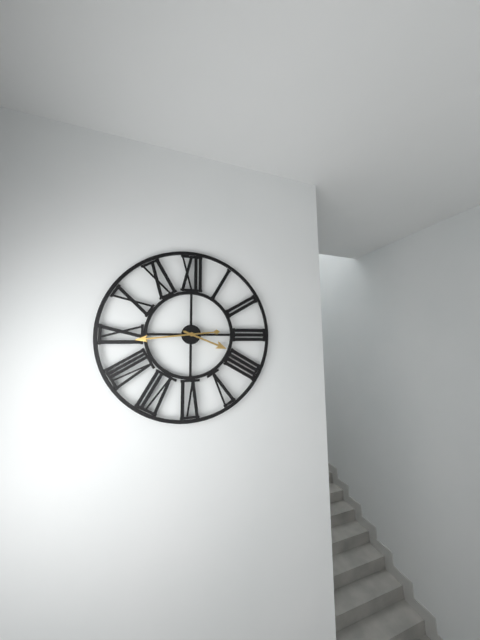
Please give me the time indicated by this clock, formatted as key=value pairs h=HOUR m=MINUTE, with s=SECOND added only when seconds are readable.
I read h=3 m=44
